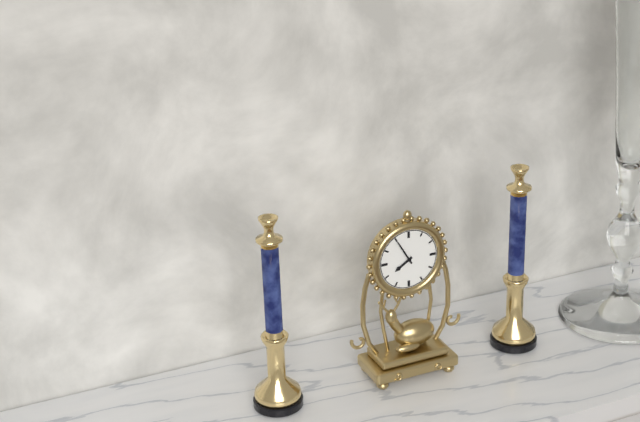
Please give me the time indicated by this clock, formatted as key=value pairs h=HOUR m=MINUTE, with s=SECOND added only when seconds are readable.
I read h=7 m=55
